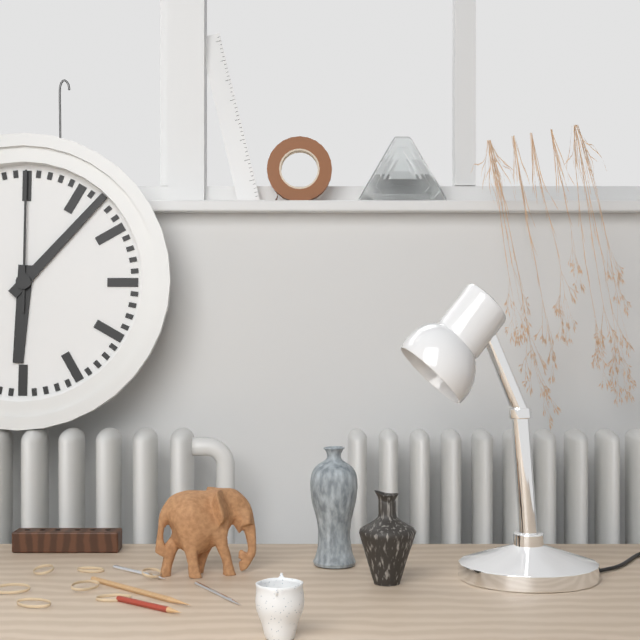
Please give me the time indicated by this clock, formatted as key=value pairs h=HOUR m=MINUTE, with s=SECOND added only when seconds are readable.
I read h=6 m=7 s=0
